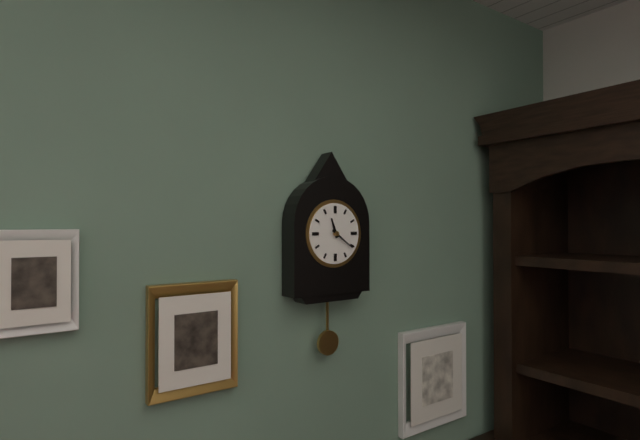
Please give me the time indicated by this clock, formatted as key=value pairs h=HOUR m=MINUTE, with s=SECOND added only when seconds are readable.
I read h=11 m=21
